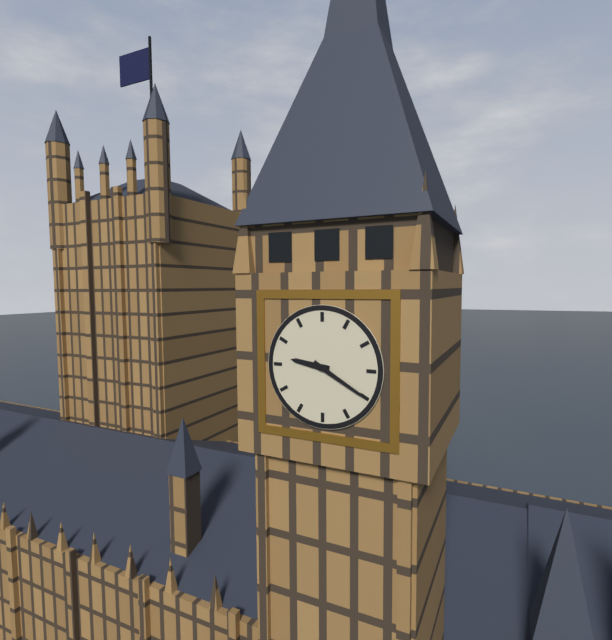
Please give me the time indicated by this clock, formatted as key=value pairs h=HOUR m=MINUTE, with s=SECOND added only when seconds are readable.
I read h=9 m=20
